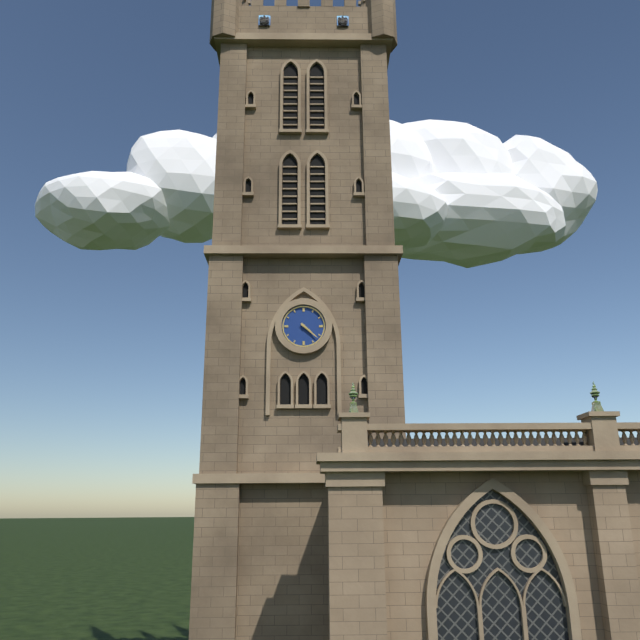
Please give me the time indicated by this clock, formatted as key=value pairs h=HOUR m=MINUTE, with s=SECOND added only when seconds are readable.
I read h=4 m=22
